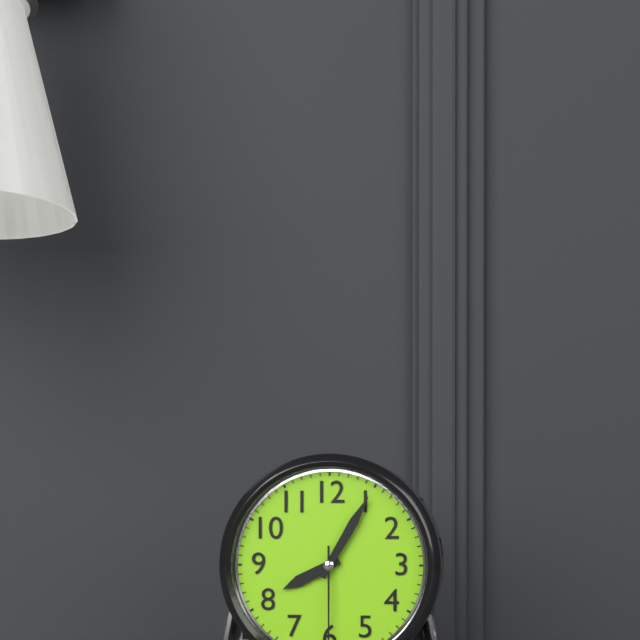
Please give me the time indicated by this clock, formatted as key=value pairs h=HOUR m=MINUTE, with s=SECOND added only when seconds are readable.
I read h=8 m=5
